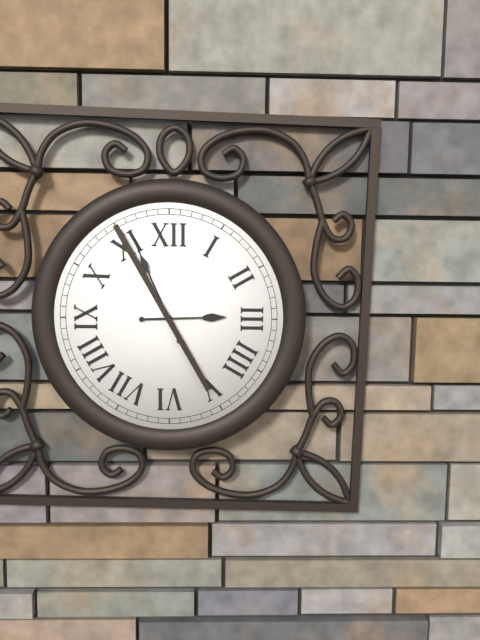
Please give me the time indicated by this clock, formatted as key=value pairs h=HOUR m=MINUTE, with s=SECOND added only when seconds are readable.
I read h=2 m=56
